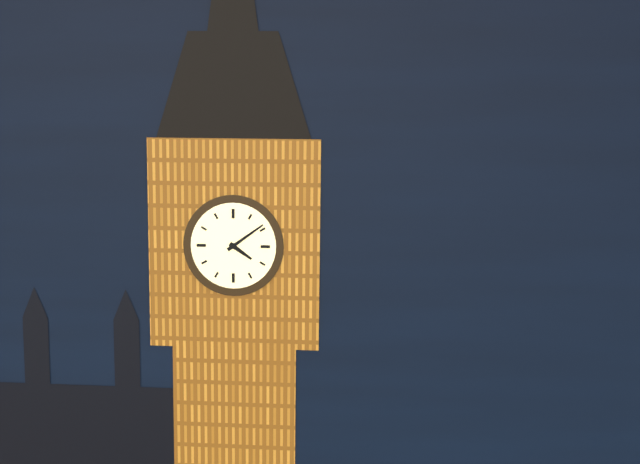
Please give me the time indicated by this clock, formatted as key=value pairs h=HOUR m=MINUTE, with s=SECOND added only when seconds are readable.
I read h=4 m=9
